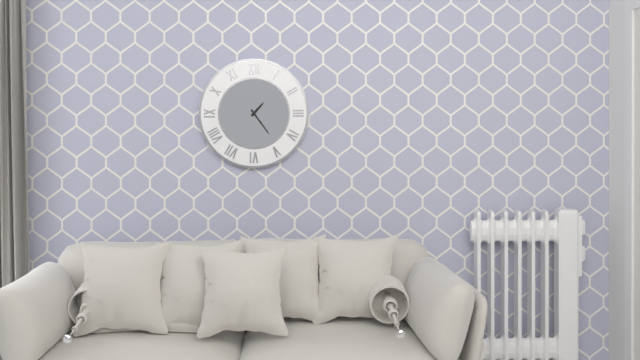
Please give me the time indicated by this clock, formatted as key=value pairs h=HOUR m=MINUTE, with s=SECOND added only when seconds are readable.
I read h=1 m=24
